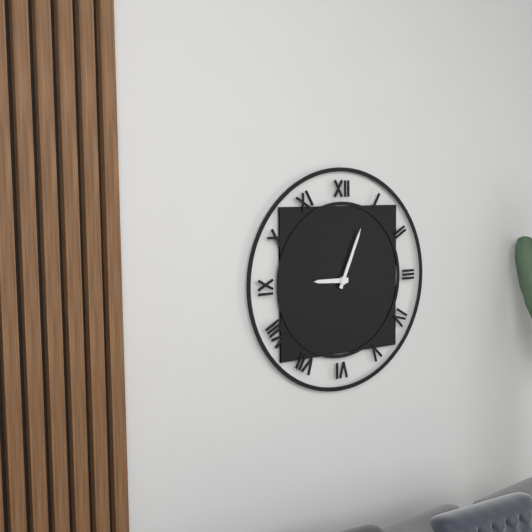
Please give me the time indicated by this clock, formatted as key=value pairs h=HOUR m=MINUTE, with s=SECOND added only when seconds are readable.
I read h=9 m=4
